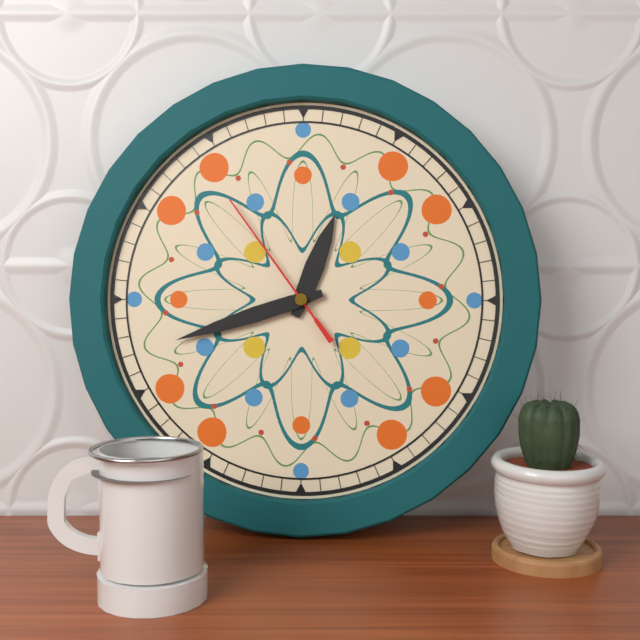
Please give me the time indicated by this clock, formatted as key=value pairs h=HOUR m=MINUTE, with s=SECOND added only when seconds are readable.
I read h=12 m=42 s=54
